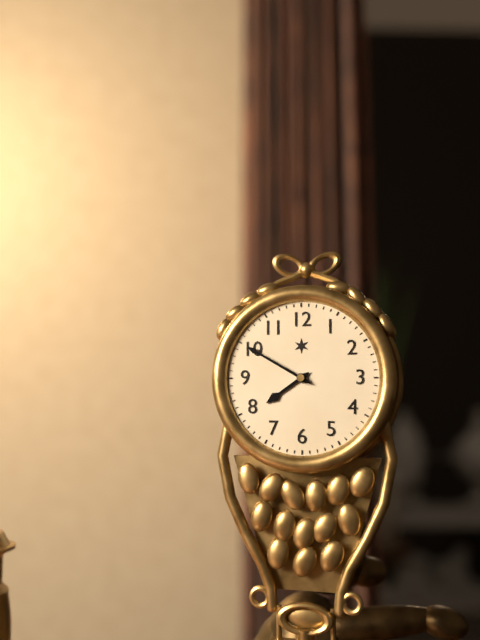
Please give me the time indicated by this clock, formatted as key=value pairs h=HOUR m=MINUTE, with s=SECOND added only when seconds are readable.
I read h=7 m=50
